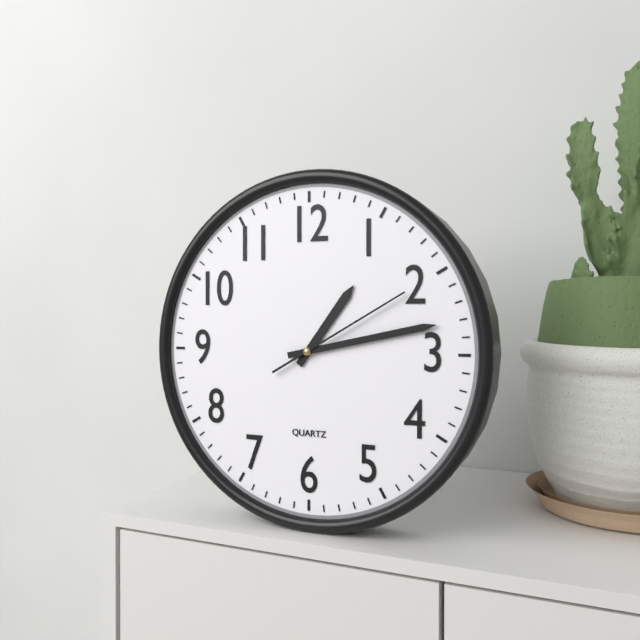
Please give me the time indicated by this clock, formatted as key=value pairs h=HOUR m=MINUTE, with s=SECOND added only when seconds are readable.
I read h=1 m=13 s=10
